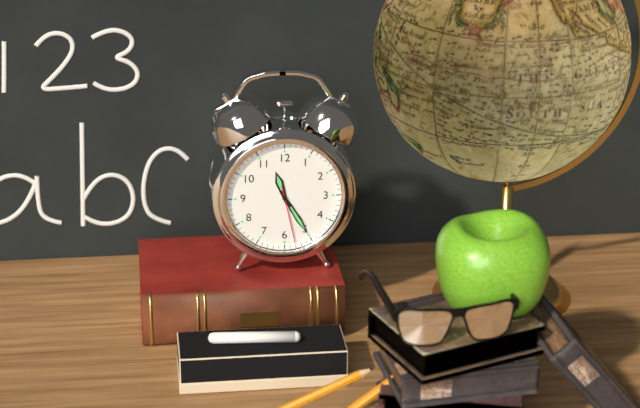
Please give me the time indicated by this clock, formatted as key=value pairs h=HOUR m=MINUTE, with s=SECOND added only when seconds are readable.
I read h=11 m=25 s=28
